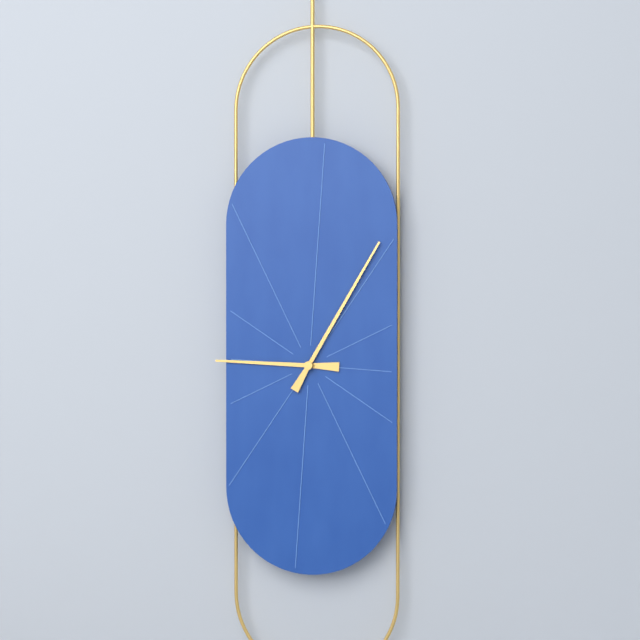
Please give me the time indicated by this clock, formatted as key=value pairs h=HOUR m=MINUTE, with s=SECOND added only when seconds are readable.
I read h=9 m=5
